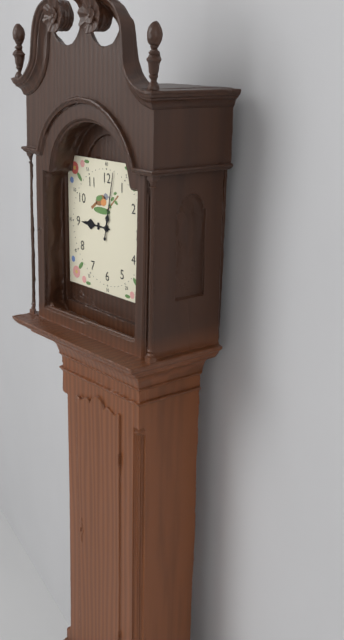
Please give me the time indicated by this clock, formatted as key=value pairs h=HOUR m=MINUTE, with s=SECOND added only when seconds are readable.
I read h=9 m=2
